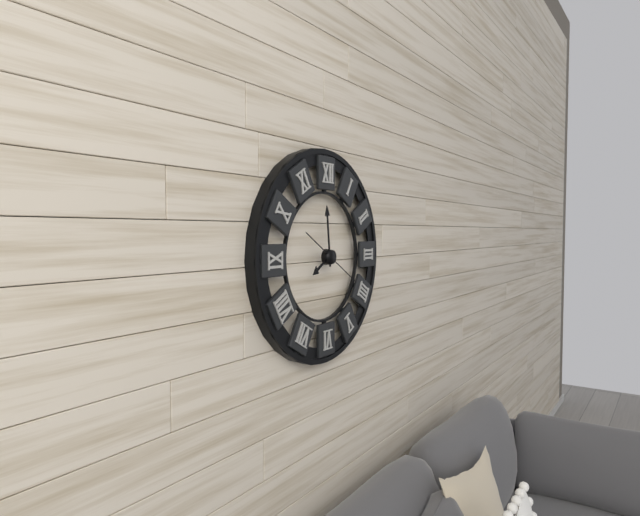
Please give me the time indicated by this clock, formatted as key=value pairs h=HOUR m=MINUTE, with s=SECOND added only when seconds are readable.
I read h=7 m=59 s=20
